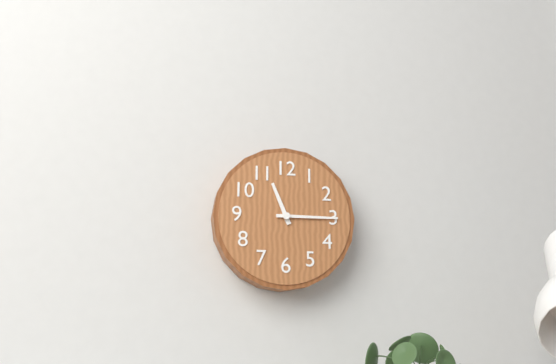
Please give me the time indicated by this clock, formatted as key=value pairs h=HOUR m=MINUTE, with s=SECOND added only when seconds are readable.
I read h=11 m=15
